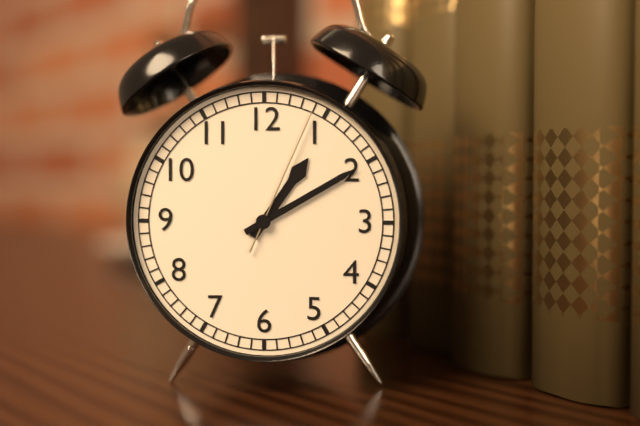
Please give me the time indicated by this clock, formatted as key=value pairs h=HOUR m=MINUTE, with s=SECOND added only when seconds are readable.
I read h=1 m=10 s=4
